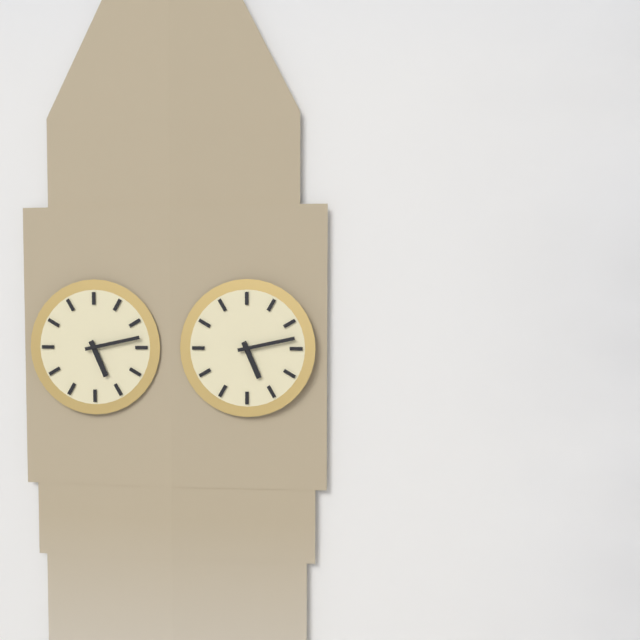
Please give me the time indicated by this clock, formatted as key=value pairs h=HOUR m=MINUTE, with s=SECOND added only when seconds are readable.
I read h=5 m=13
